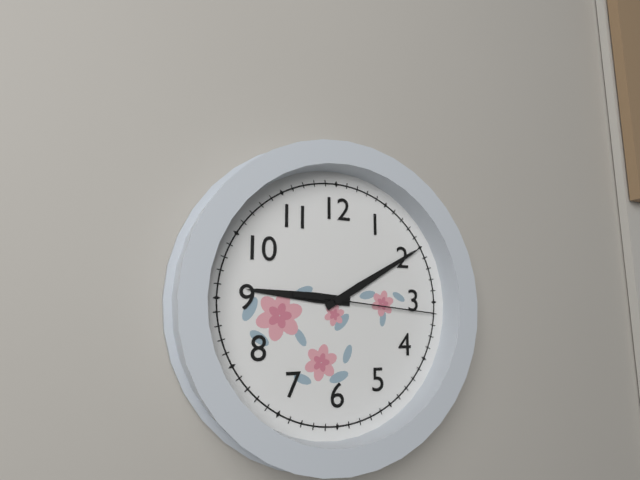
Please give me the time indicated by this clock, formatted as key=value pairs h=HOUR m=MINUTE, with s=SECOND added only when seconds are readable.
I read h=9 m=10 s=16
